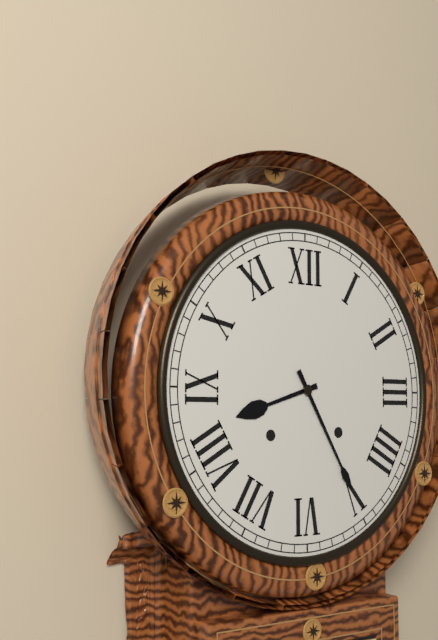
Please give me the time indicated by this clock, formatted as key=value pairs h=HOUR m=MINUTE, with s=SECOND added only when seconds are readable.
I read h=8 m=25
